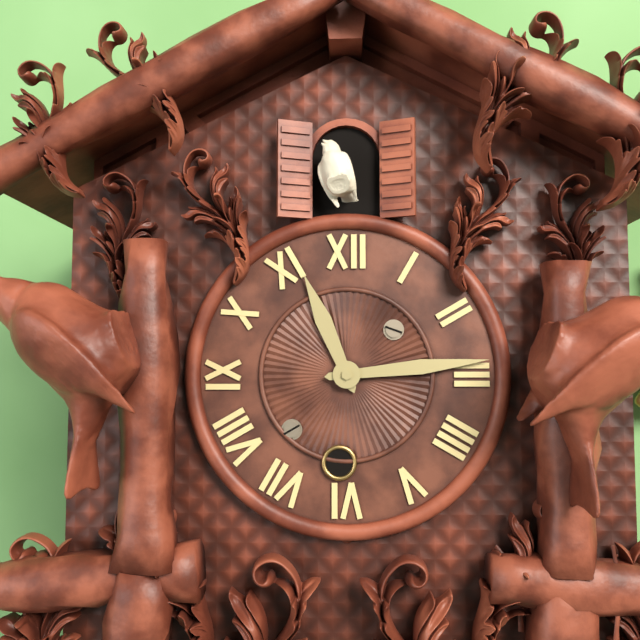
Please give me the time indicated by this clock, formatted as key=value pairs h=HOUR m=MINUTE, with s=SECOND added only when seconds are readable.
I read h=11 m=14
